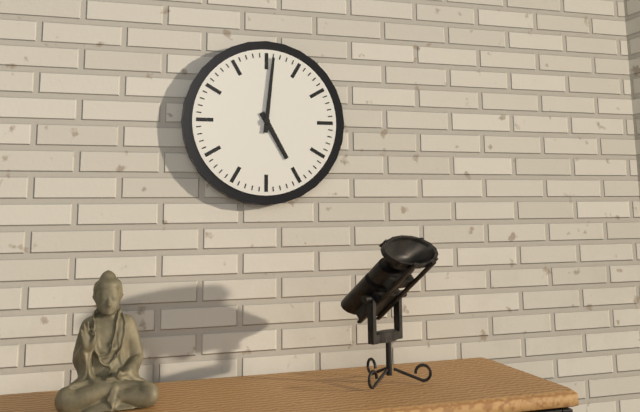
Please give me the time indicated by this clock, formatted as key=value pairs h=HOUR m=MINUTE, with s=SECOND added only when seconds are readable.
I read h=5 m=1
